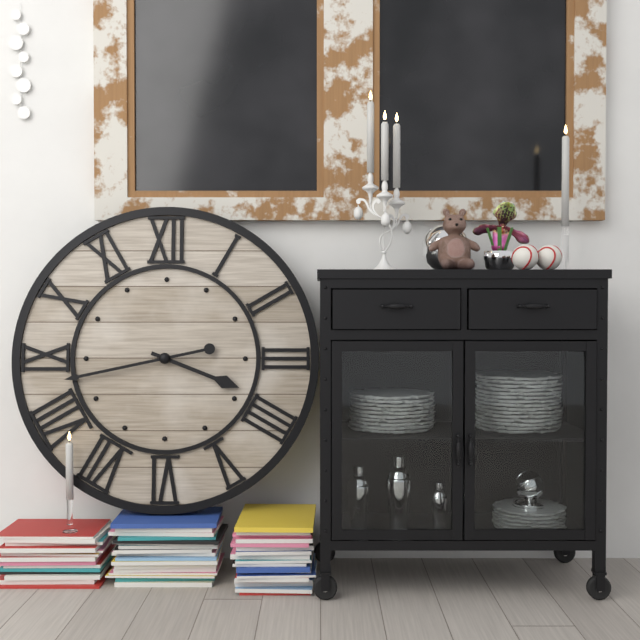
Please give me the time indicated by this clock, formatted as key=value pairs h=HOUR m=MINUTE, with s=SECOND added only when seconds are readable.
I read h=3 m=43
